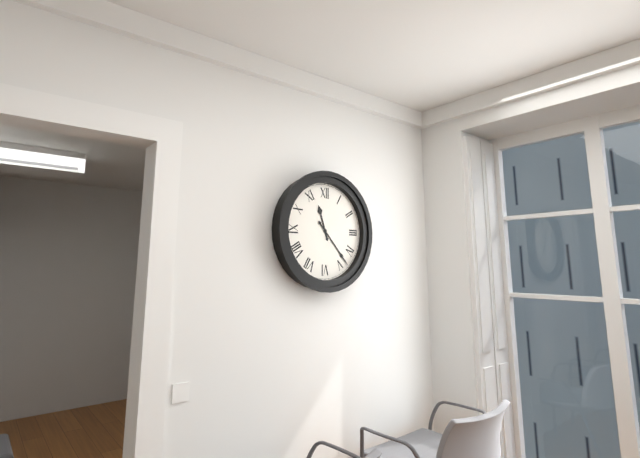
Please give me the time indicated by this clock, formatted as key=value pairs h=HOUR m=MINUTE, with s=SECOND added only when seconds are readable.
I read h=11 m=23
